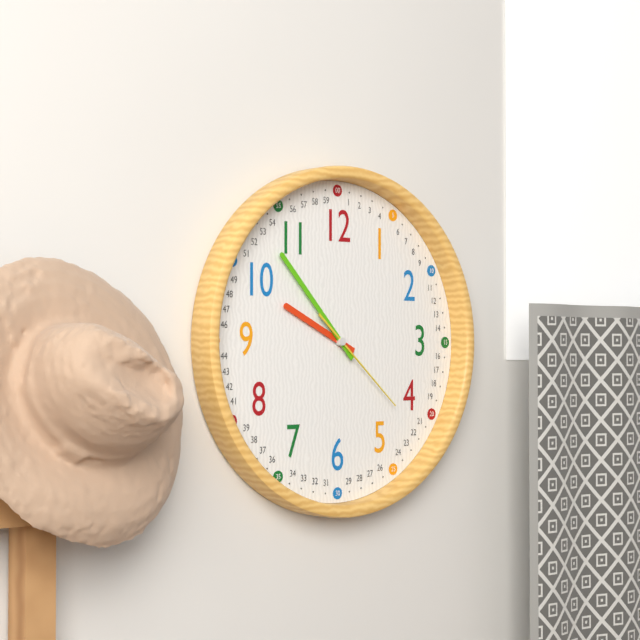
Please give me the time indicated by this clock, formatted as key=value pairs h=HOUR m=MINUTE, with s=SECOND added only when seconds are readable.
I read h=9 m=53 s=22
